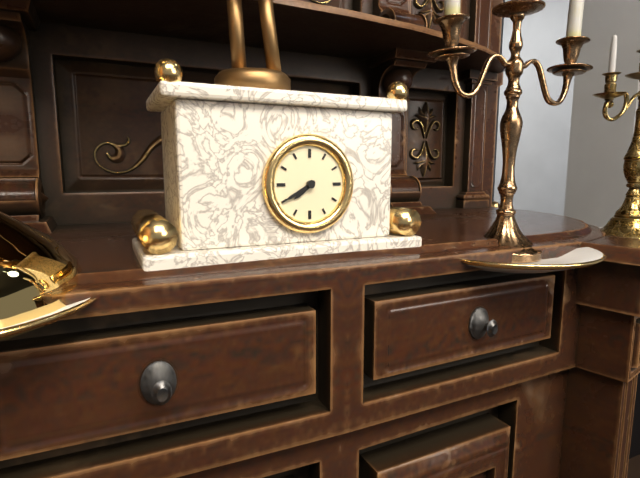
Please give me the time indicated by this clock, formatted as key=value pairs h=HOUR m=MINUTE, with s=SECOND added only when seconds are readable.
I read h=7 m=40
